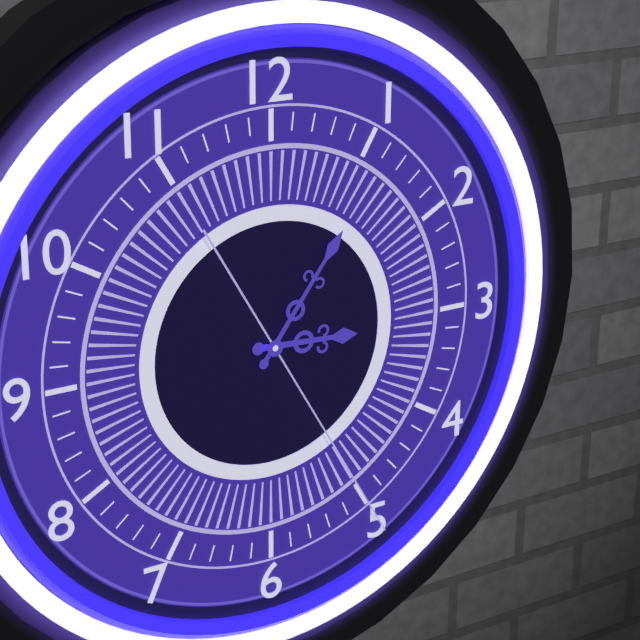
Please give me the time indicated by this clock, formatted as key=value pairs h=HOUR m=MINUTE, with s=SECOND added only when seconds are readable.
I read h=3 m=6 s=25
